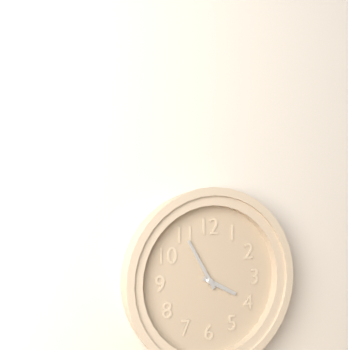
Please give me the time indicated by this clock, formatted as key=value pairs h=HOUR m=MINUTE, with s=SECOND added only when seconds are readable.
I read h=3 m=55
